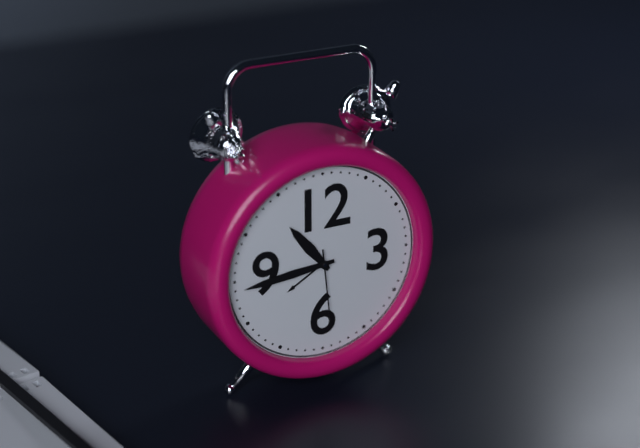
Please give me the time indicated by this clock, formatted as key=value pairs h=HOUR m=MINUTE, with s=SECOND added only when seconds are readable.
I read h=10 m=44 s=29
